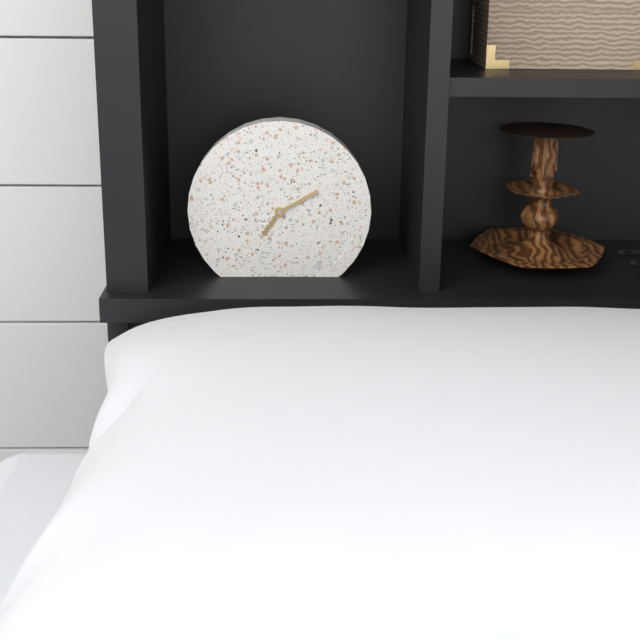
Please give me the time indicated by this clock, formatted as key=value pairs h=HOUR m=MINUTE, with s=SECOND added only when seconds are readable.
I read h=7 m=10
